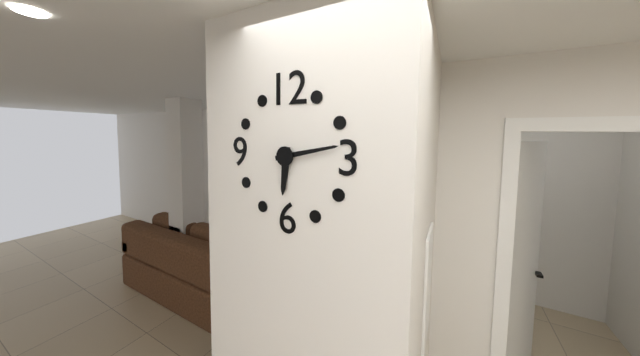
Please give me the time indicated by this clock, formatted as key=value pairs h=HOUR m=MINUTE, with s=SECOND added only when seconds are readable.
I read h=6 m=13
